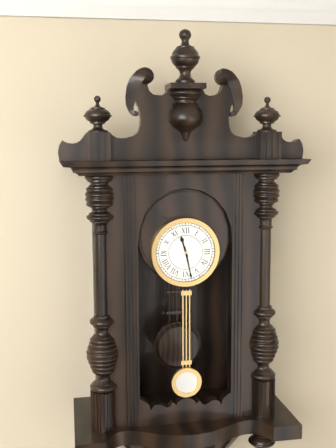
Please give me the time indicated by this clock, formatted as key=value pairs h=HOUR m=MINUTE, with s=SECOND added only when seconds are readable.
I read h=11 m=28
